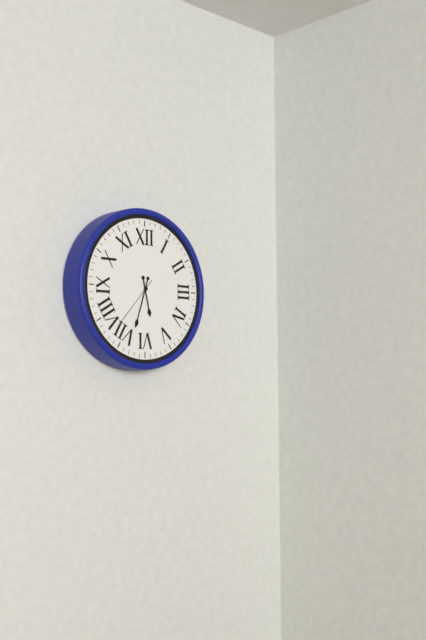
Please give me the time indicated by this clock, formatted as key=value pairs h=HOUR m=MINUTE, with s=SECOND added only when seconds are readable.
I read h=5 m=33 s=37
